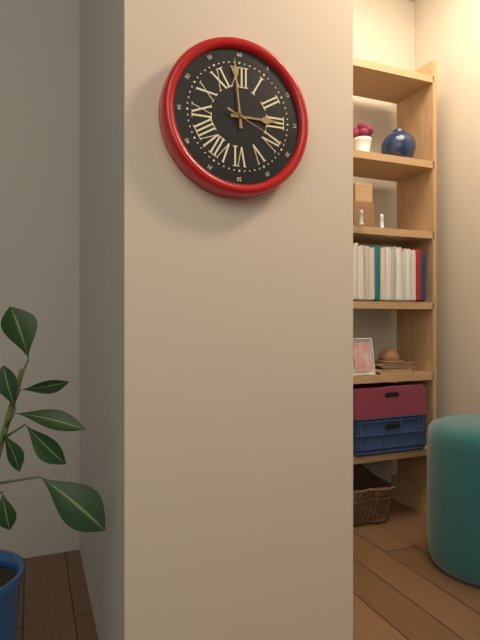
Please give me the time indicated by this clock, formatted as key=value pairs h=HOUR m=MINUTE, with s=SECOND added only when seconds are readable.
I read h=2 m=59 s=19
